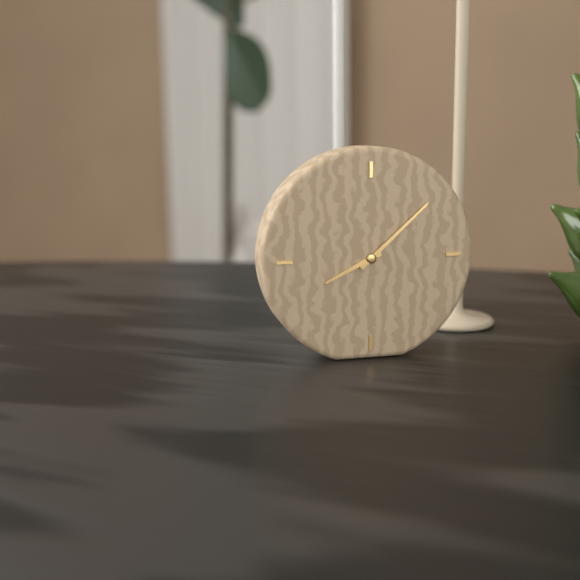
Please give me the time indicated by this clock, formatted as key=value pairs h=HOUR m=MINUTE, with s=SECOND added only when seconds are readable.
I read h=8 m=8
